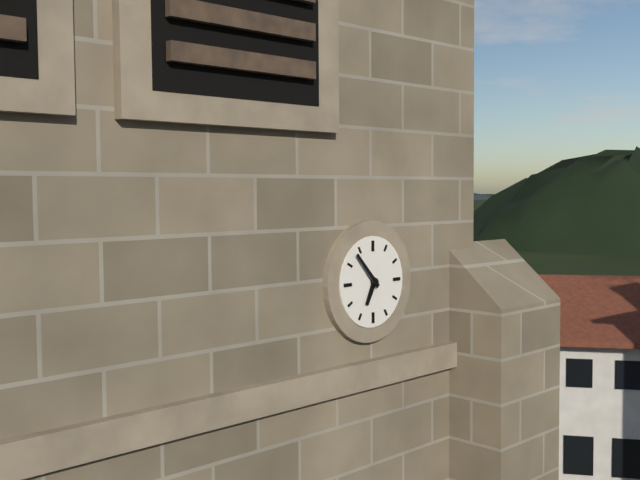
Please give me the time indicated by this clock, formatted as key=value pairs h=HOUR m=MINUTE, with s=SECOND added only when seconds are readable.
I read h=6 m=53
